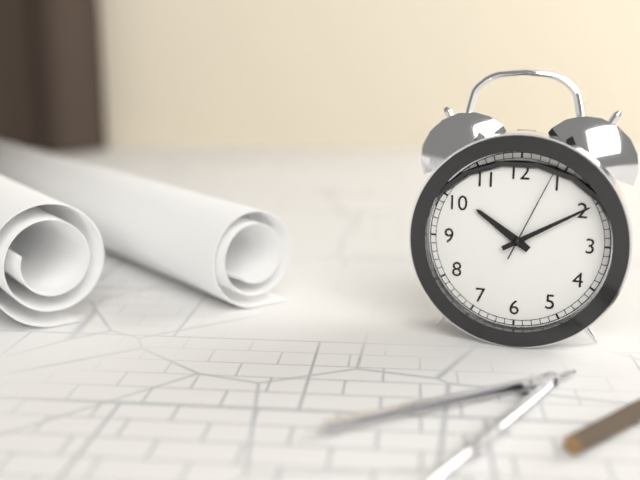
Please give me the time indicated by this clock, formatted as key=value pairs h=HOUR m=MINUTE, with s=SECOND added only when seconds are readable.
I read h=10 m=10 s=4
